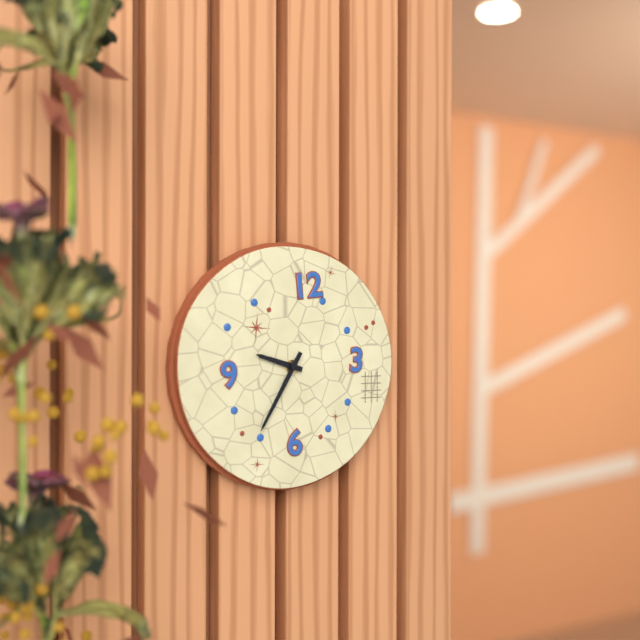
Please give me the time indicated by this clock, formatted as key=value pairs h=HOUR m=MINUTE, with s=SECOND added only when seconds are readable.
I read h=9 m=35
